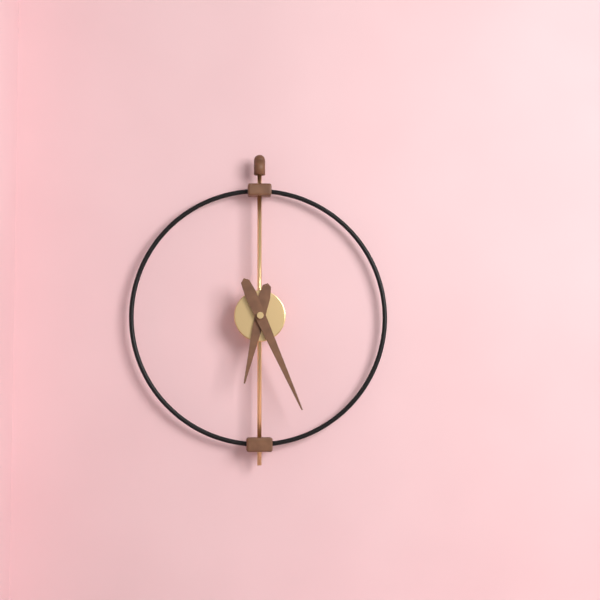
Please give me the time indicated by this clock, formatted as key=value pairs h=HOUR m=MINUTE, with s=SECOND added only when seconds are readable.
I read h=6 m=26
